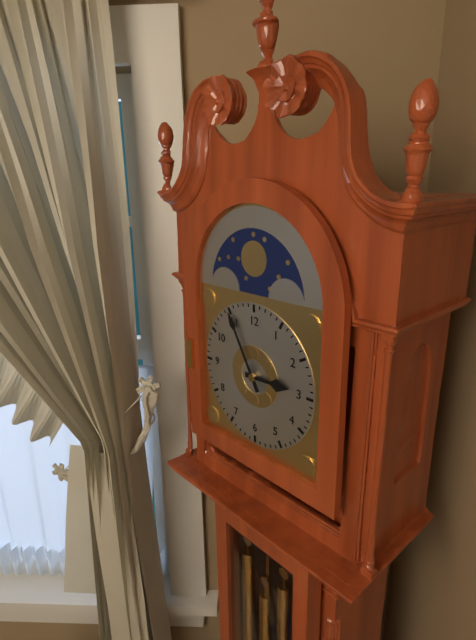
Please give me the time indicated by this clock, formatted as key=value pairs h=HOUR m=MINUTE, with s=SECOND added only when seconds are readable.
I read h=2 m=55
